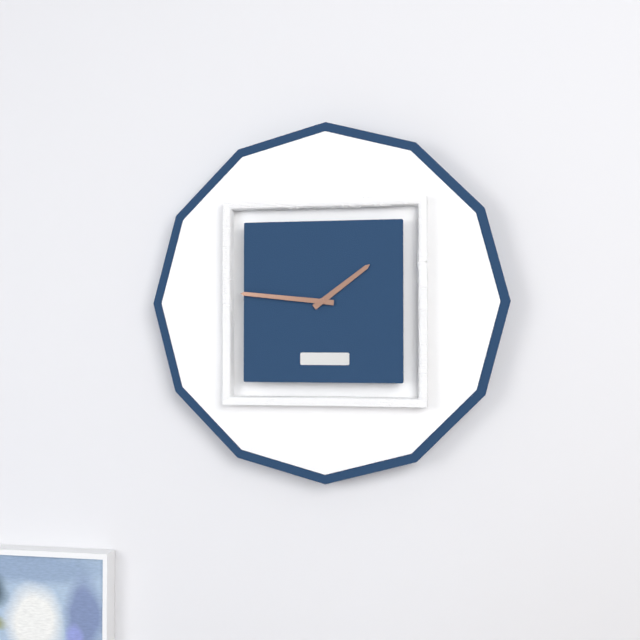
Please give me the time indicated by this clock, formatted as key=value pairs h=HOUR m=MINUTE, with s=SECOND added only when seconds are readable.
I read h=1 m=46
